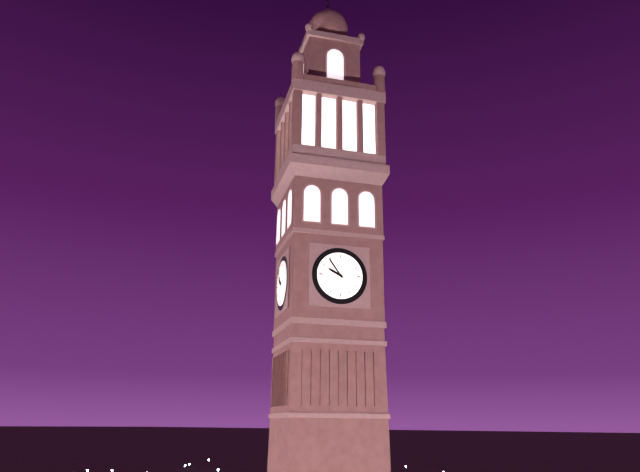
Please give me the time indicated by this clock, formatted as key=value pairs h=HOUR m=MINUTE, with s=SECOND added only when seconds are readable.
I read h=9 m=54
